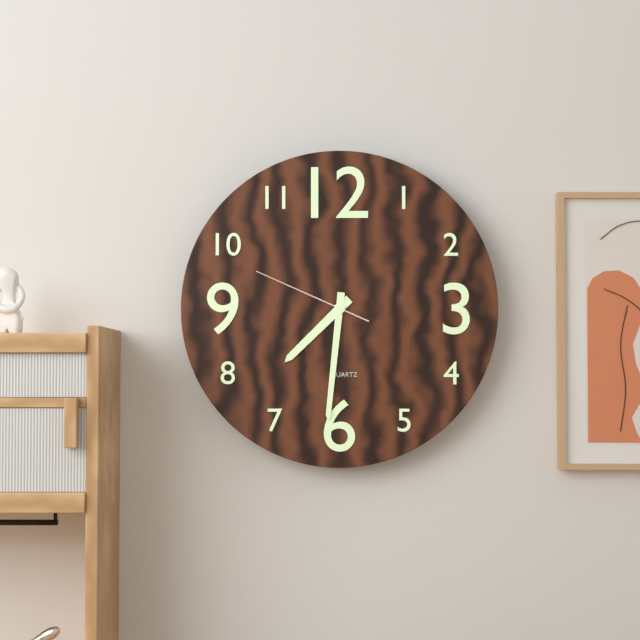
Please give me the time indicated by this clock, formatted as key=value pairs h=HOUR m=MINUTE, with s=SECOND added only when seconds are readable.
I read h=7 m=31 s=49
